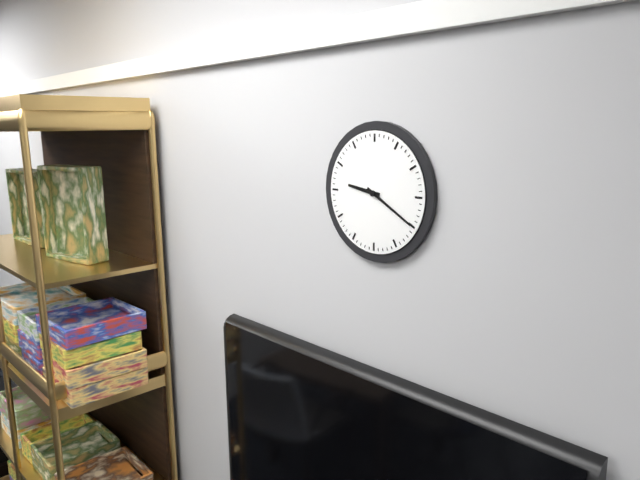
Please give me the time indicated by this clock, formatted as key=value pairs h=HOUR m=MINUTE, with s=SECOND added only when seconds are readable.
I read h=9 m=20
